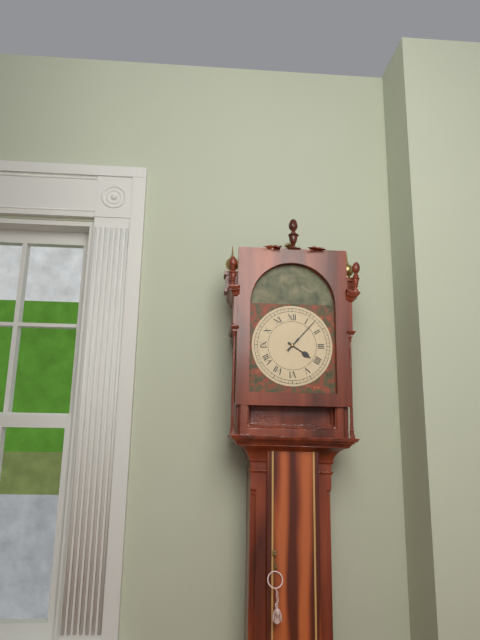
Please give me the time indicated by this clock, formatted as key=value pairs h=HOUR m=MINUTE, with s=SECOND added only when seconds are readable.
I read h=4 m=7
